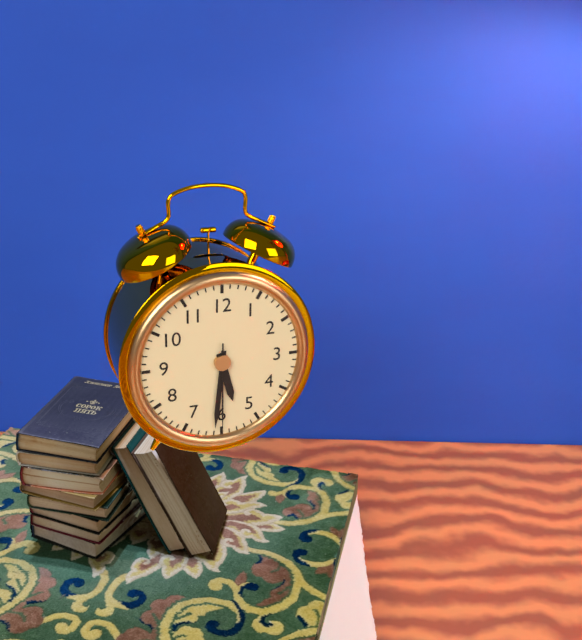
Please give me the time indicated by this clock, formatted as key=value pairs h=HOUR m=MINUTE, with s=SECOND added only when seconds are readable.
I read h=5 m=31 s=30
